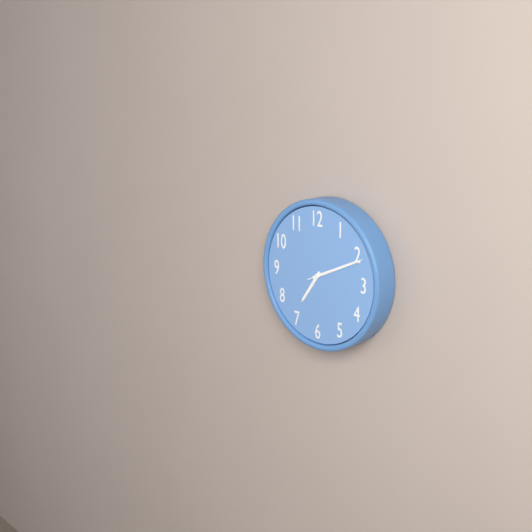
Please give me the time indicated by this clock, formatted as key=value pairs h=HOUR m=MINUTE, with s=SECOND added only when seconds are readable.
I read h=7 m=11 s=11
